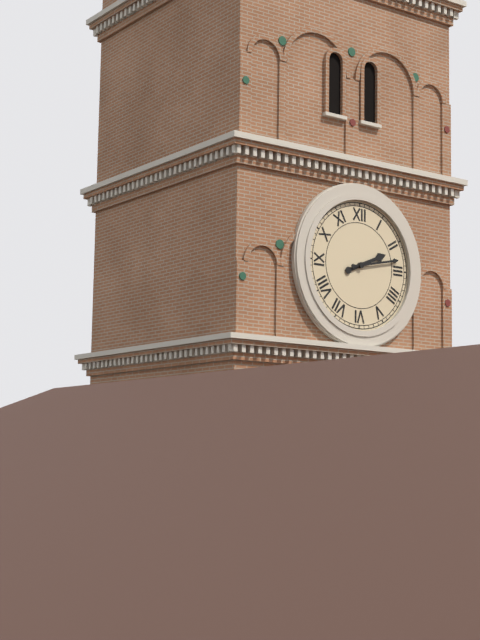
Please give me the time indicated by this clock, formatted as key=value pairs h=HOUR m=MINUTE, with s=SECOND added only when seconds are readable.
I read h=2 m=13
